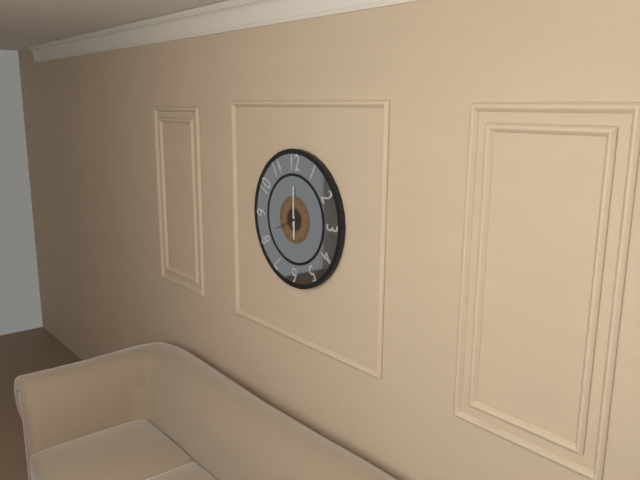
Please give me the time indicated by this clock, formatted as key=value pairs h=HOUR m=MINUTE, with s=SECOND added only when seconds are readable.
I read h=6 m=0
